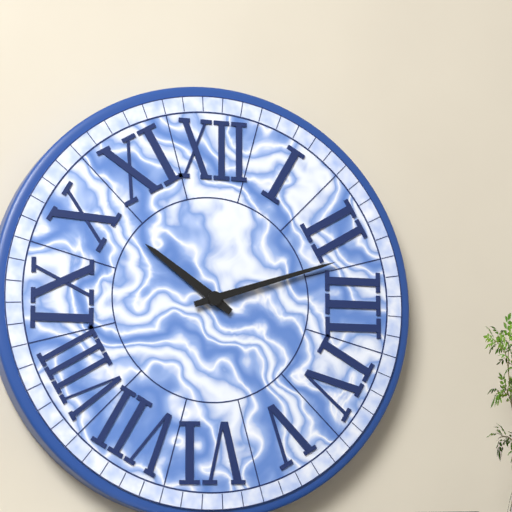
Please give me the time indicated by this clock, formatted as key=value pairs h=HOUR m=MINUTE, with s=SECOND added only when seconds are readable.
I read h=10 m=12
